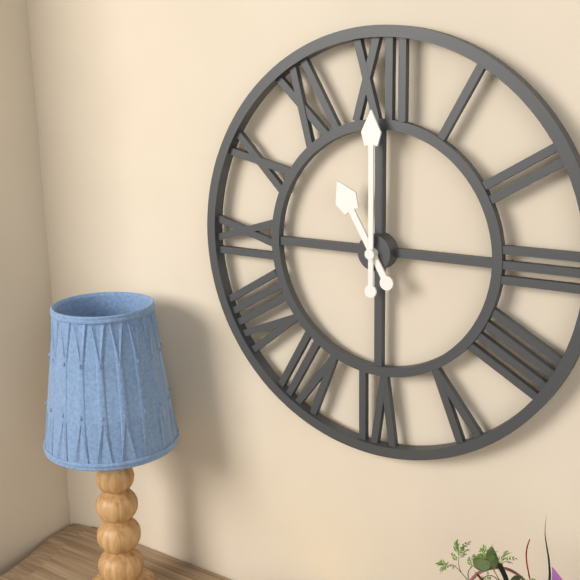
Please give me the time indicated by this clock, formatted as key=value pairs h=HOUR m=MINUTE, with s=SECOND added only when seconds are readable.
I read h=11 m=0
